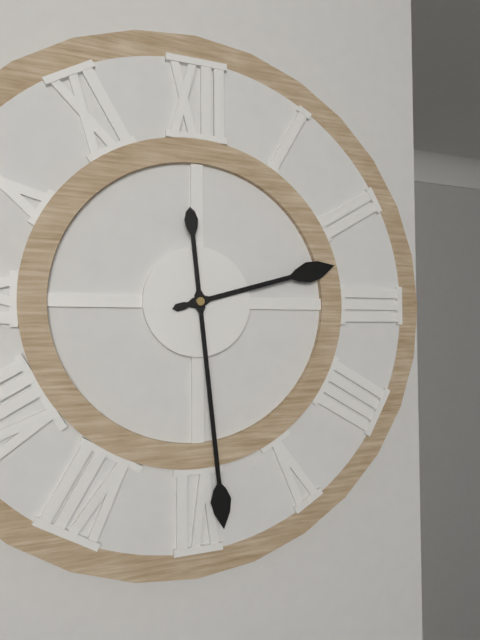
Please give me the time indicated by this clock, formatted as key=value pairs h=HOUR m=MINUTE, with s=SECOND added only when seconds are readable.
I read h=2 m=29
